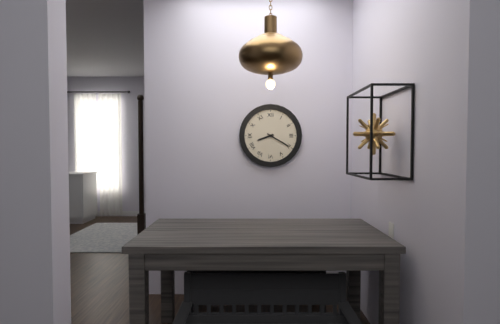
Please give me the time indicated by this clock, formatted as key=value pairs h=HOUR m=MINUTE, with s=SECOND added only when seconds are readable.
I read h=8 m=20
